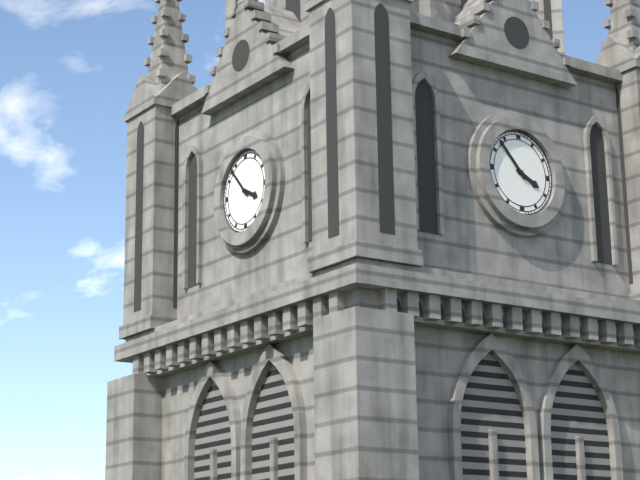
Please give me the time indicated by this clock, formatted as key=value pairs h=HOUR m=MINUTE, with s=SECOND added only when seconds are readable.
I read h=3 m=53
